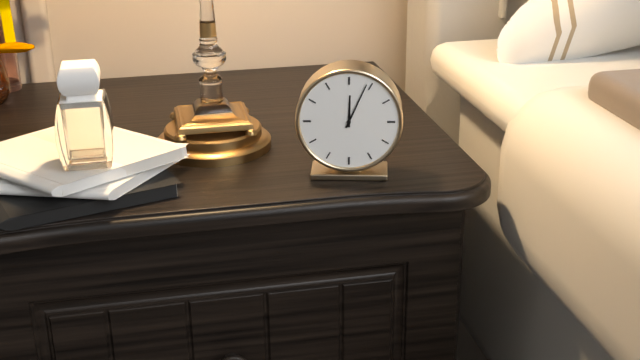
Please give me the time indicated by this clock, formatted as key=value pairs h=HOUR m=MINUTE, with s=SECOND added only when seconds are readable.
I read h=12 m=4
